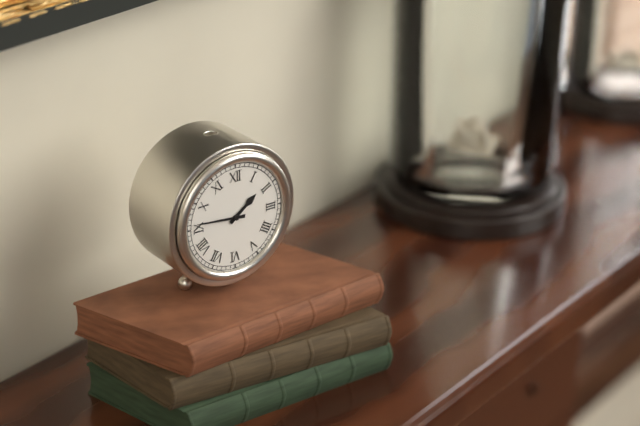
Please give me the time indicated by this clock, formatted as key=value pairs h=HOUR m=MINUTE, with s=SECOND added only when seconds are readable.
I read h=1 m=46
